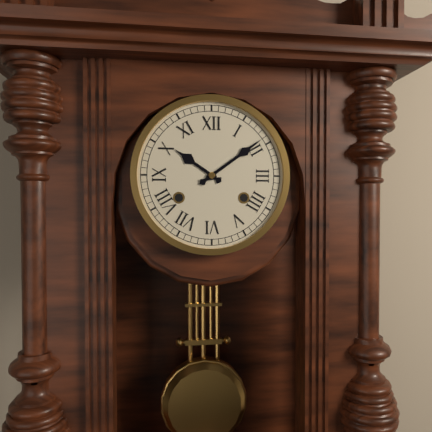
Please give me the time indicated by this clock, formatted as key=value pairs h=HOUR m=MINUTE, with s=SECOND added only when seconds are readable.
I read h=10 m=9
